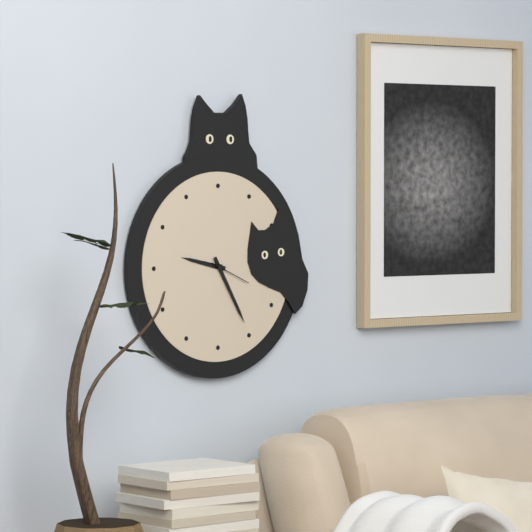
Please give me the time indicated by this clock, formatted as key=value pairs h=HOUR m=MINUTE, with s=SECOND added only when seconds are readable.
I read h=9 m=25
